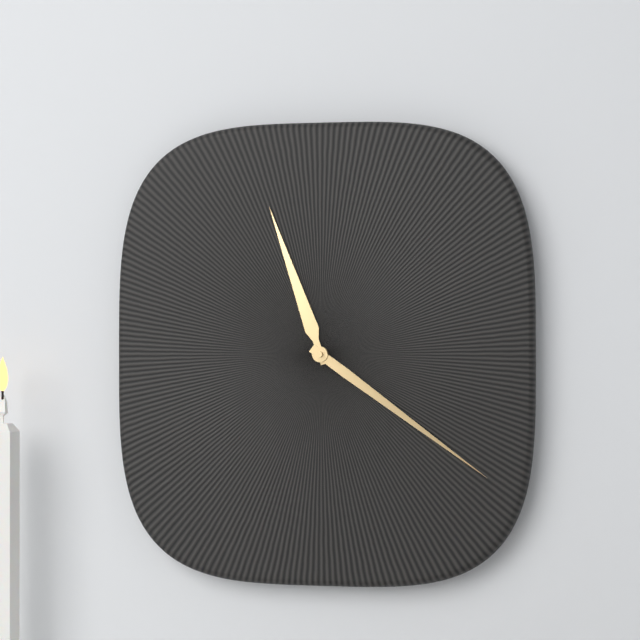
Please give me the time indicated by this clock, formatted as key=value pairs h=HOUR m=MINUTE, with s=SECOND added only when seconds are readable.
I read h=11 m=21
